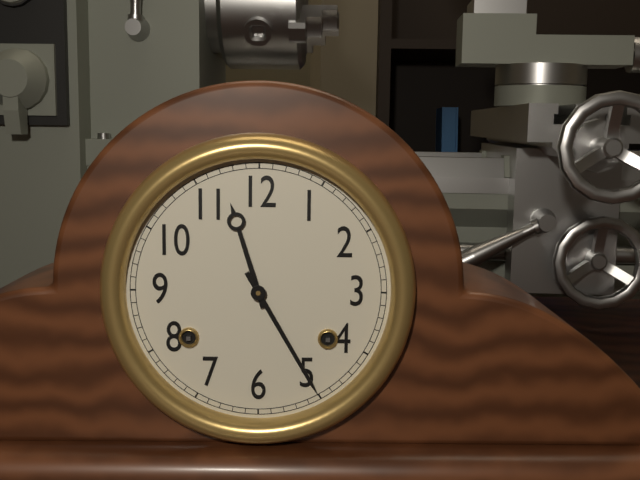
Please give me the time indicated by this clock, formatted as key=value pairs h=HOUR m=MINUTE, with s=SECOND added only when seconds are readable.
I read h=11 m=25
